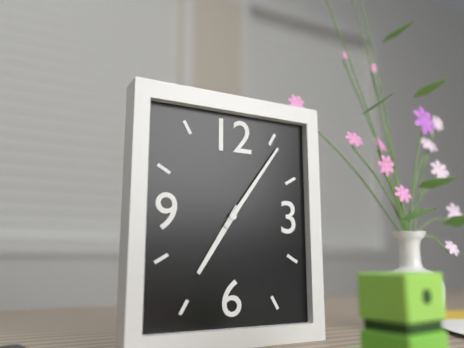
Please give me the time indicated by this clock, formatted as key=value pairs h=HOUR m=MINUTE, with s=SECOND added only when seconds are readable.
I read h=7 m=6
